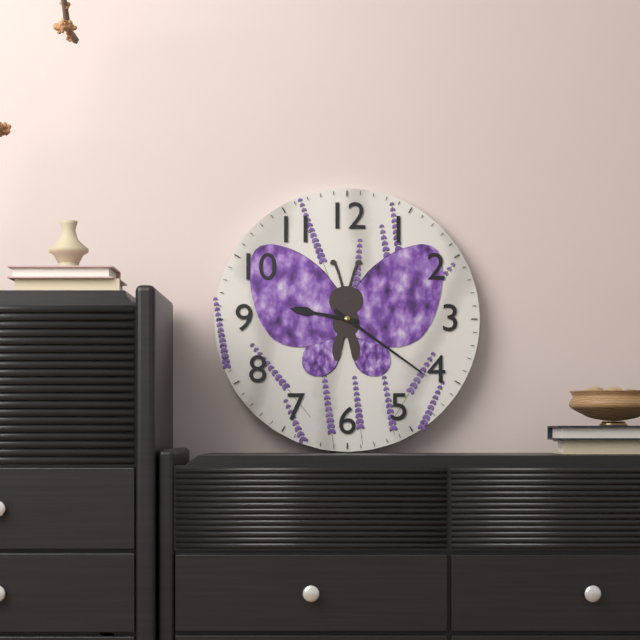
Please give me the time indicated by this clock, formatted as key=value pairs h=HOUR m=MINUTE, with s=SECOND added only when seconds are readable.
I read h=9 m=21
